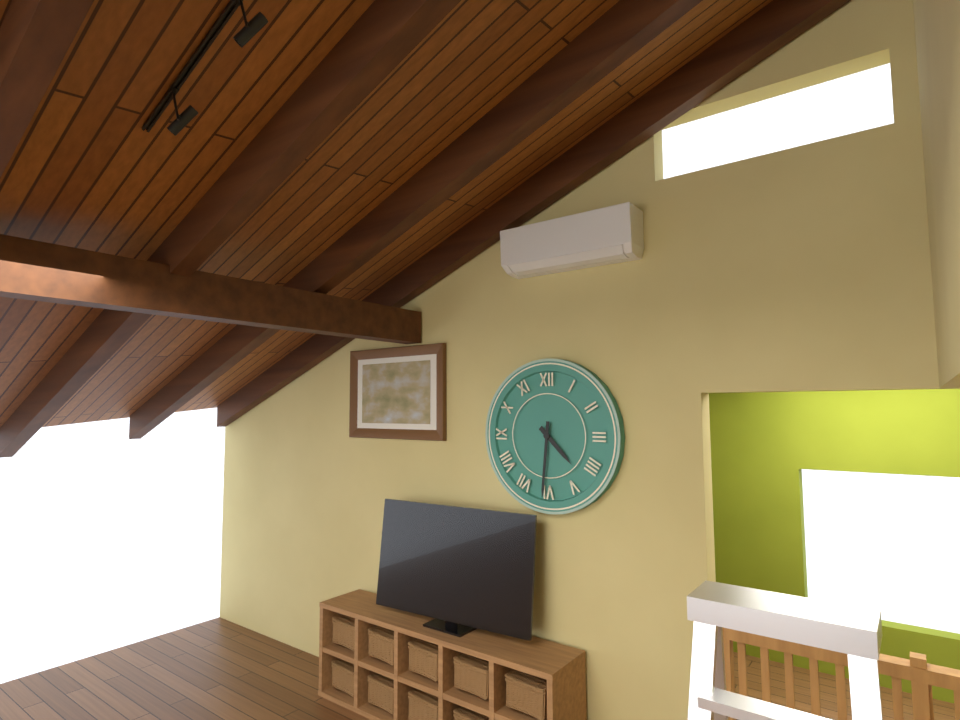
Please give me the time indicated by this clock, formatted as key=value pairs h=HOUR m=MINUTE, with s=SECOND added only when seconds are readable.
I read h=4 m=31
